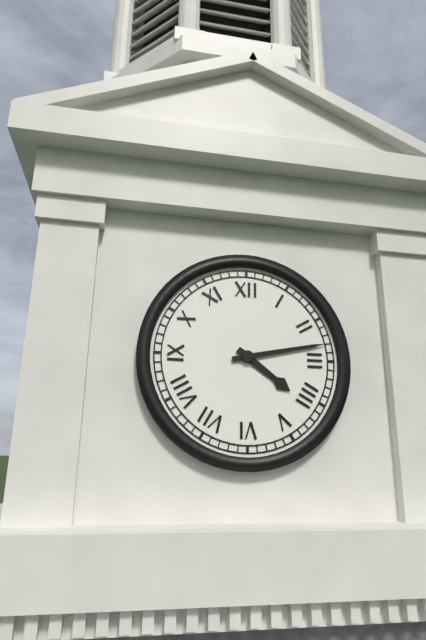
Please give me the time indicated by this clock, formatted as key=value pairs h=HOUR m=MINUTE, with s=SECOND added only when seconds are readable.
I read h=4 m=13
